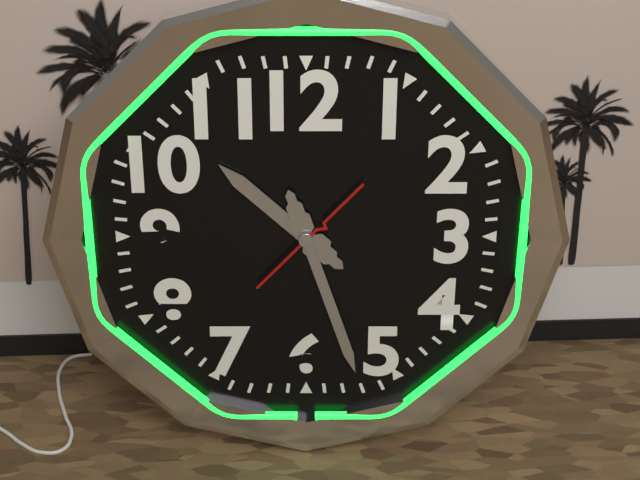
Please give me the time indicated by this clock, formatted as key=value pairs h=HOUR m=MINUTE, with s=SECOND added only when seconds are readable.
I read h=10 m=27 s=7
